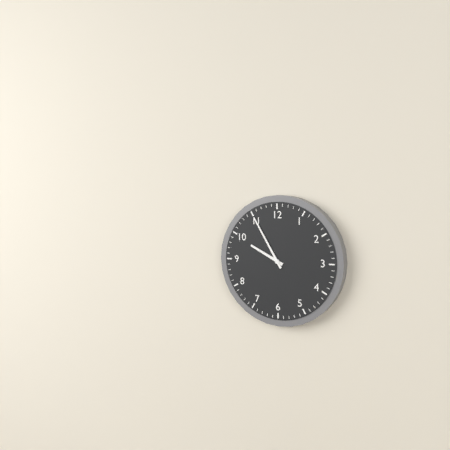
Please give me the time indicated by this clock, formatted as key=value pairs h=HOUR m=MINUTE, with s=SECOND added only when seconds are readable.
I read h=9 m=55
